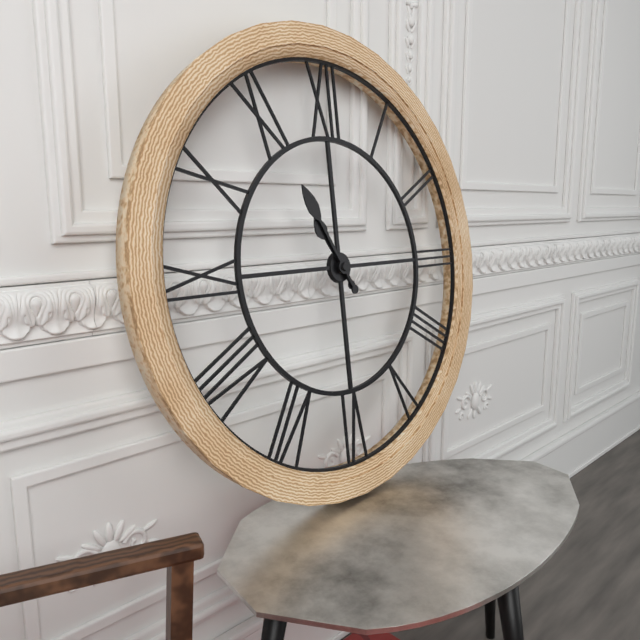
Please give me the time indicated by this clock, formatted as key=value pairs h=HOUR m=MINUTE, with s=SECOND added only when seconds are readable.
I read h=10 m=55
